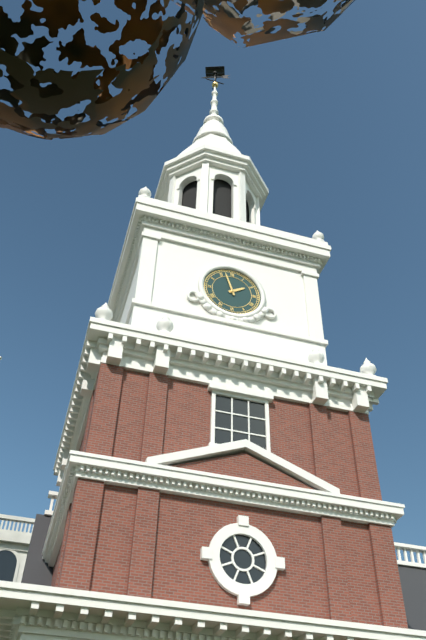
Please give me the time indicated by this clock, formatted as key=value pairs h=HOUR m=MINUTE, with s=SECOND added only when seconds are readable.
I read h=1 m=57
